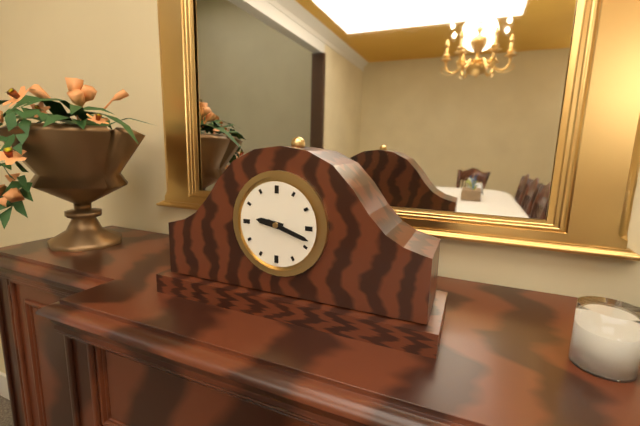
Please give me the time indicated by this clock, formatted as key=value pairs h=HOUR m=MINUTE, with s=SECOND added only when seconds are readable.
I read h=9 m=18
